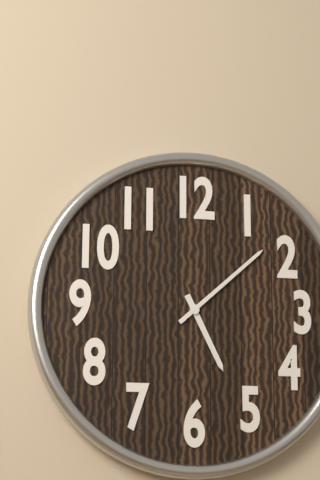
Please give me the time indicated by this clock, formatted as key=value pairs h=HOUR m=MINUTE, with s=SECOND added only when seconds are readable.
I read h=5 m=8
